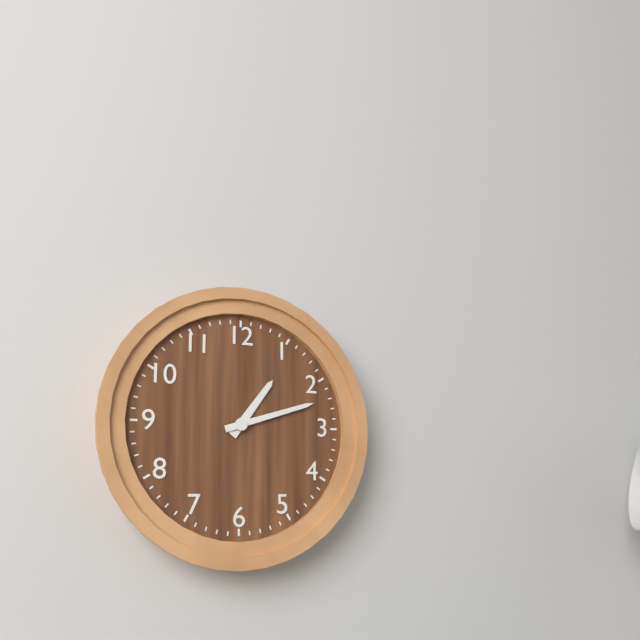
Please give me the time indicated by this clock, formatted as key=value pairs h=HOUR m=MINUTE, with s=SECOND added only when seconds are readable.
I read h=1 m=12
